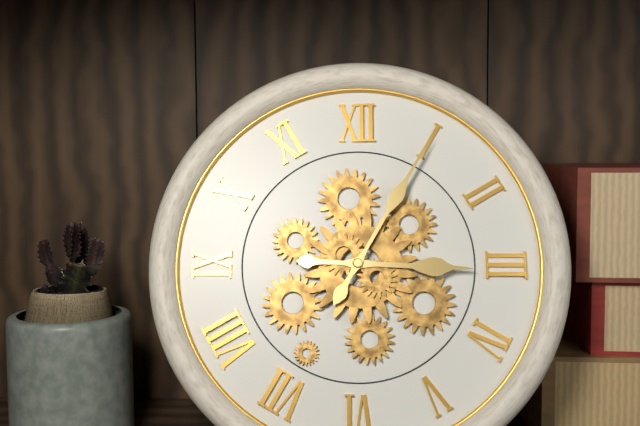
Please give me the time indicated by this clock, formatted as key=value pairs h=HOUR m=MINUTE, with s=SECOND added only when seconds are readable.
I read h=3 m=5
